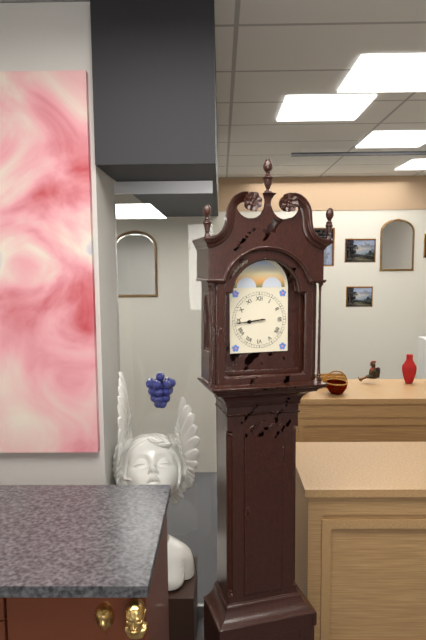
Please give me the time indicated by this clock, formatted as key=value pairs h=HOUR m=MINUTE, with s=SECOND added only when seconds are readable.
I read h=8 m=44
